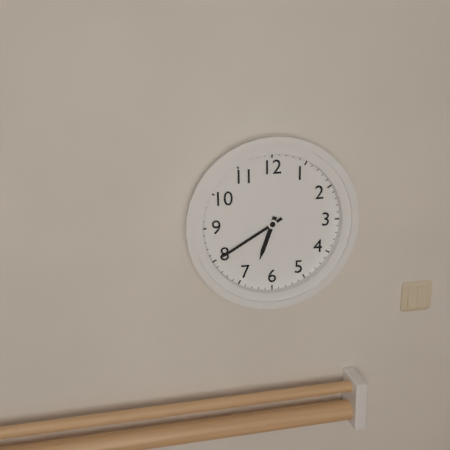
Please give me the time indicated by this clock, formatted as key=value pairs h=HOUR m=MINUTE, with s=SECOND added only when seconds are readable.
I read h=6 m=40
